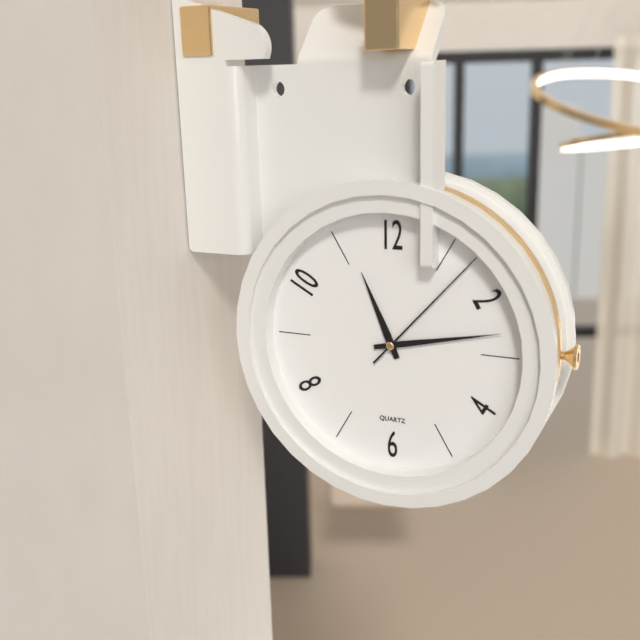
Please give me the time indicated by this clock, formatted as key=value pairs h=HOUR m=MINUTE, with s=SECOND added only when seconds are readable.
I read h=11 m=13 s=7
